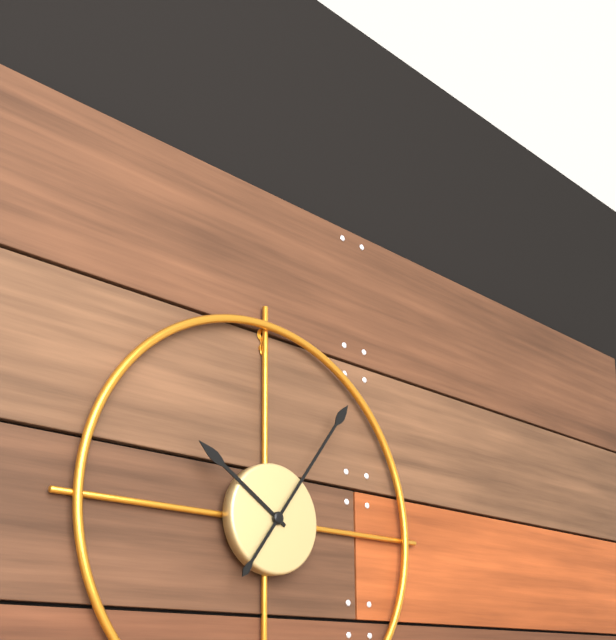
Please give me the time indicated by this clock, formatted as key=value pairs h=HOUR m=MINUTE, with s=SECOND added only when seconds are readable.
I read h=10 m=6
